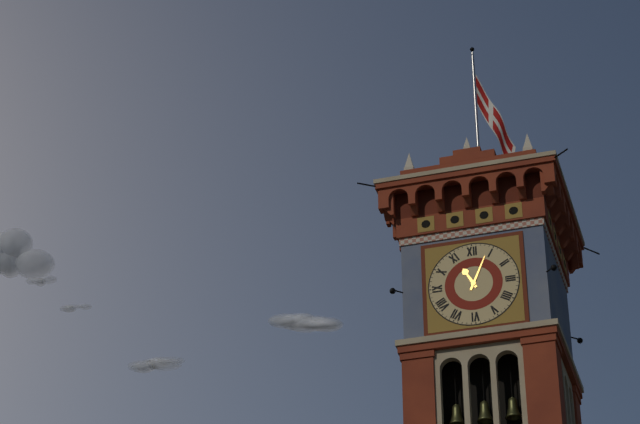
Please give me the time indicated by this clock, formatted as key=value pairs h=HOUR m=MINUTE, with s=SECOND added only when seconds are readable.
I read h=11 m=4
